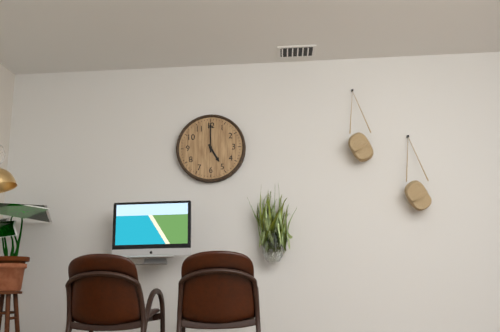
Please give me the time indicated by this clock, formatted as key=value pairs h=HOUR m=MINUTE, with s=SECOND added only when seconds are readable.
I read h=5 m=0
